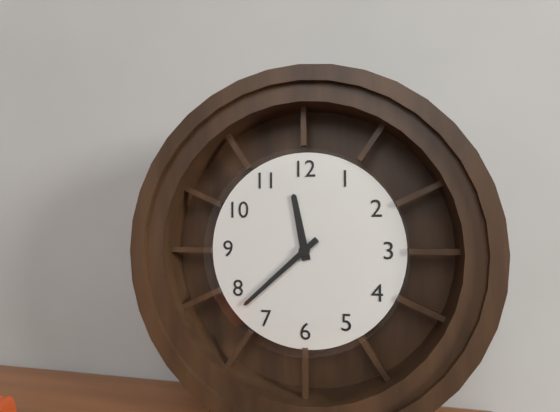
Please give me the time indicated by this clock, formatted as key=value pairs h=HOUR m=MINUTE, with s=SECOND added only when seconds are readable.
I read h=11 m=38
